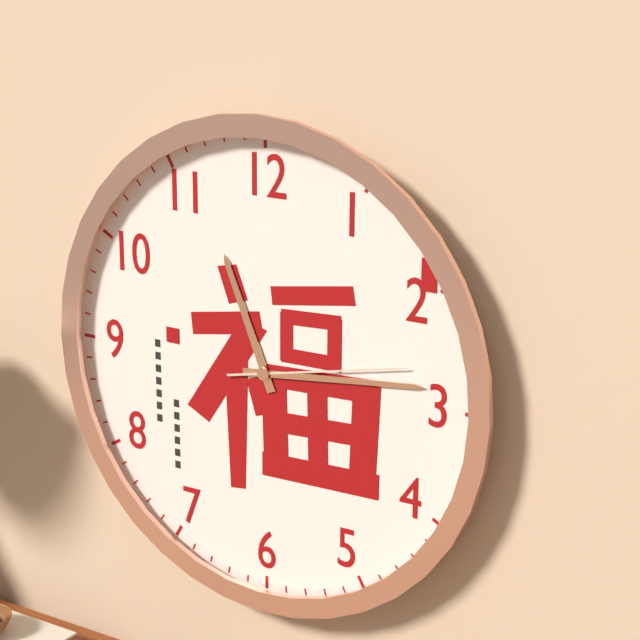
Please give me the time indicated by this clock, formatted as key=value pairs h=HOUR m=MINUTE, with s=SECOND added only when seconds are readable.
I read h=11 m=14 s=13
